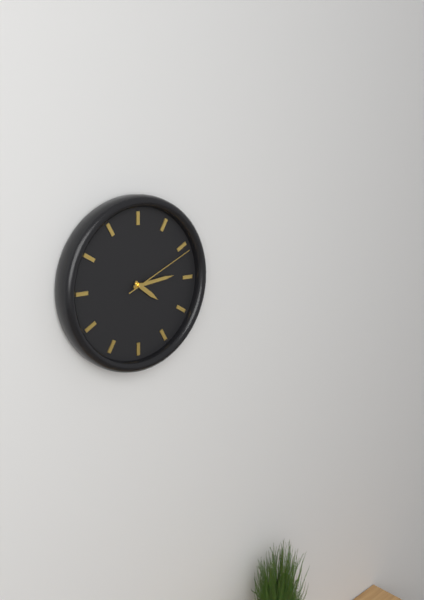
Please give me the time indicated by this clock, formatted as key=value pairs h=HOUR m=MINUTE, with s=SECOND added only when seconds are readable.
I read h=4 m=14 s=11
